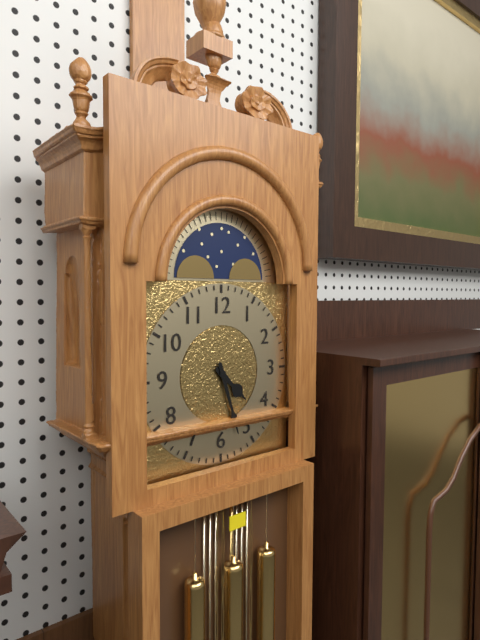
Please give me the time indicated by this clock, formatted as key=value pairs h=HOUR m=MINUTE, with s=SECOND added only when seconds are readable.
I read h=4 m=27
